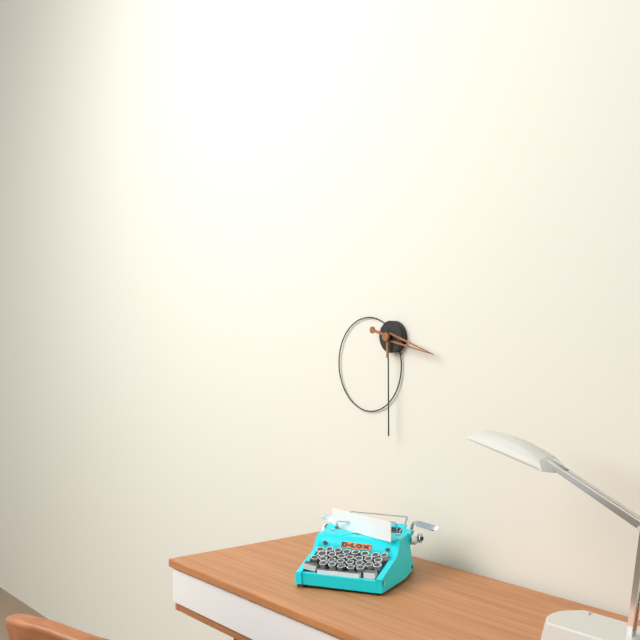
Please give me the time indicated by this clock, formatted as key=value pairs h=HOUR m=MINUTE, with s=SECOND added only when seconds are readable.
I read h=3 m=30
